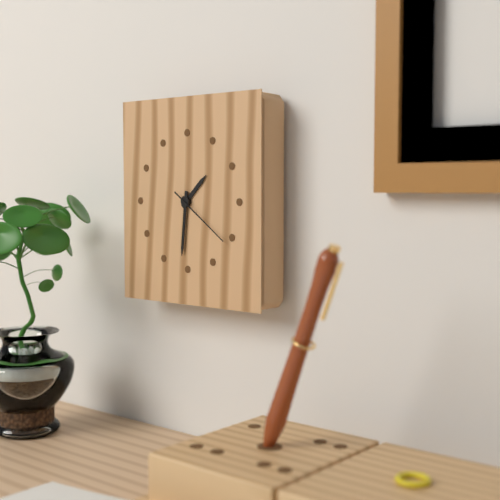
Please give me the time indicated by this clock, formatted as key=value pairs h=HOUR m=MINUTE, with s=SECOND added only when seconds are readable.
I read h=1 m=31 s=21
